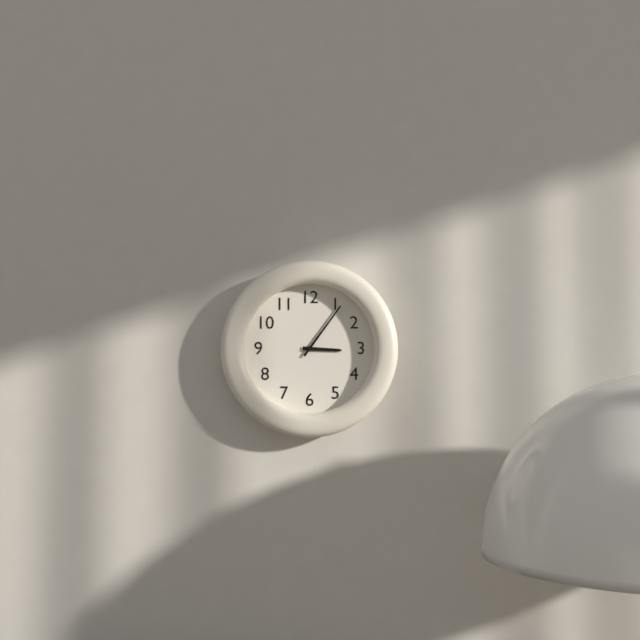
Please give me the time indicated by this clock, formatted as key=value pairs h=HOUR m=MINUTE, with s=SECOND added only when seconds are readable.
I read h=3 m=6
